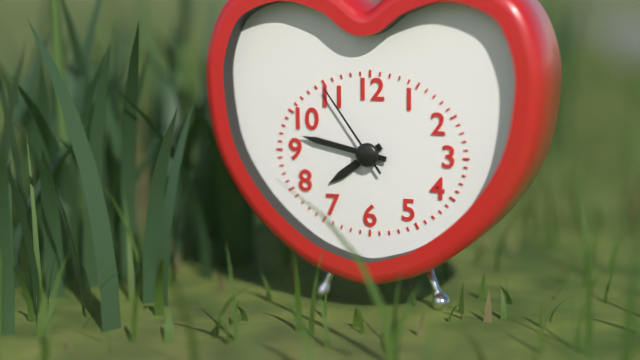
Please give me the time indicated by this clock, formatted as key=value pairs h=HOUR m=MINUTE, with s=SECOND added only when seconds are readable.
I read h=7 m=47 s=54
